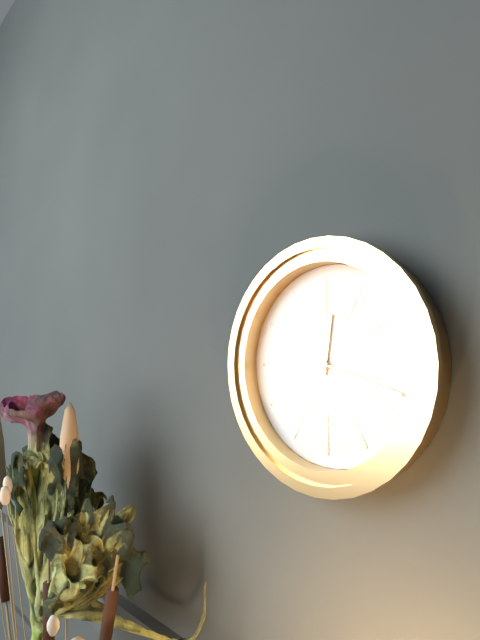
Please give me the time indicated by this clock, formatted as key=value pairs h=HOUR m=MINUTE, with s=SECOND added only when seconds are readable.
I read h=12 m=18
